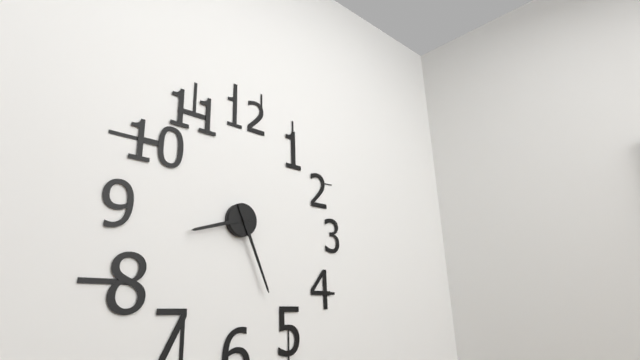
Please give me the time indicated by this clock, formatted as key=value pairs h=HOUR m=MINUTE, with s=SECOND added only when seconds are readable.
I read h=8 m=26
